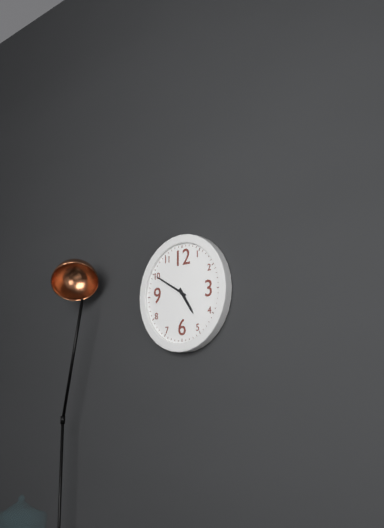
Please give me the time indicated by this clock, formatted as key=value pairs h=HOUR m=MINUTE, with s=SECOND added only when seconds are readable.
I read h=4 m=50
